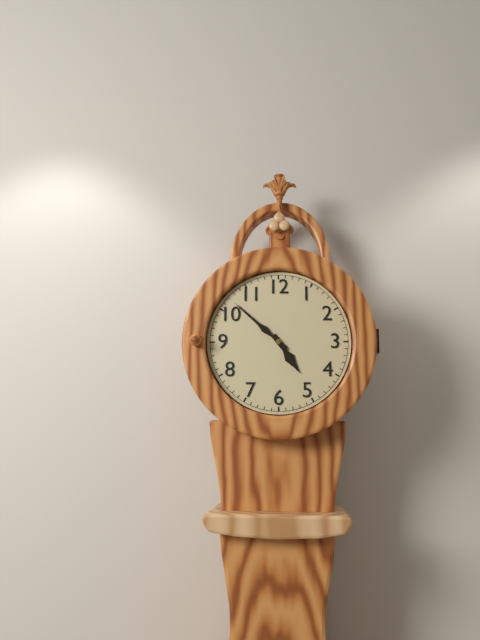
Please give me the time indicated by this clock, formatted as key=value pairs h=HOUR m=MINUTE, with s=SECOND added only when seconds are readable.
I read h=4 m=52
